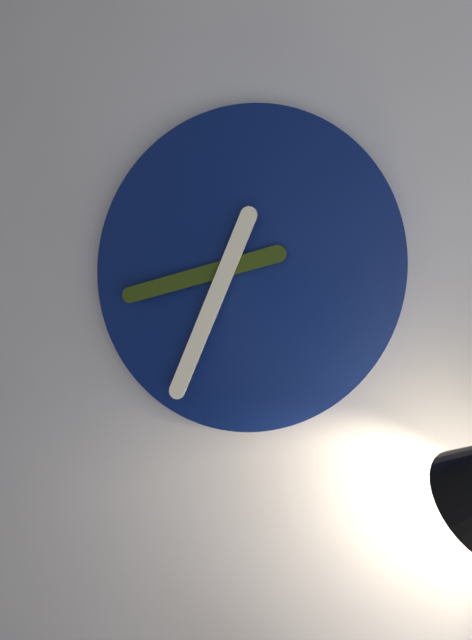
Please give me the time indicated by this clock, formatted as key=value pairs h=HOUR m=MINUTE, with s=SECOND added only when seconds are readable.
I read h=8 m=34
